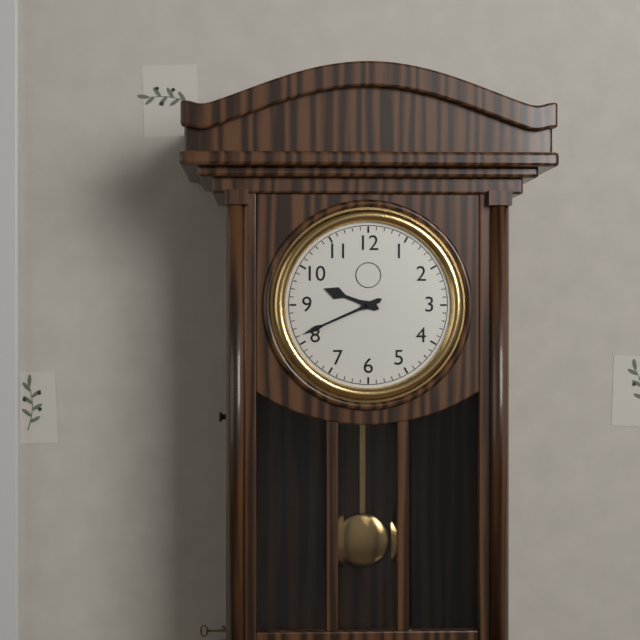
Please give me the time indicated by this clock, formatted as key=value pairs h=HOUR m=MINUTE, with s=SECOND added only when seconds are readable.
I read h=9 m=41
